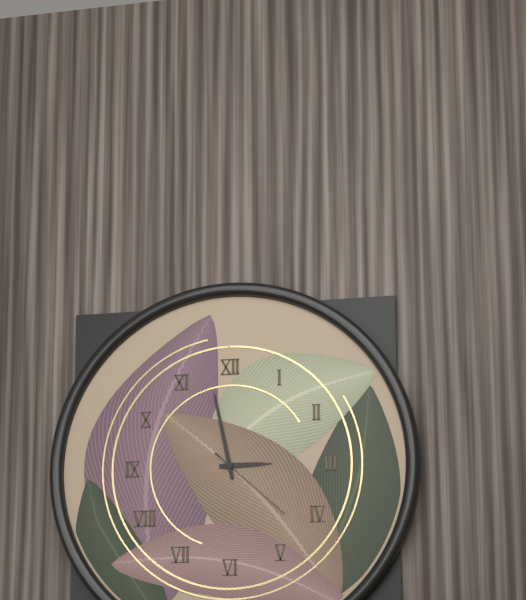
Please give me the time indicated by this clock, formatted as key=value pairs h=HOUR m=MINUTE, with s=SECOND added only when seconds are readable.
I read h=2 m=58 s=22
